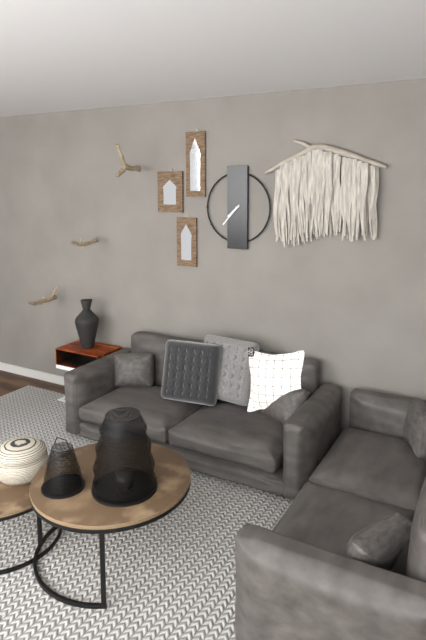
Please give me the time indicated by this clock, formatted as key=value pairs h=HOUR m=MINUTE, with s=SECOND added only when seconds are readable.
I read h=7 m=37
